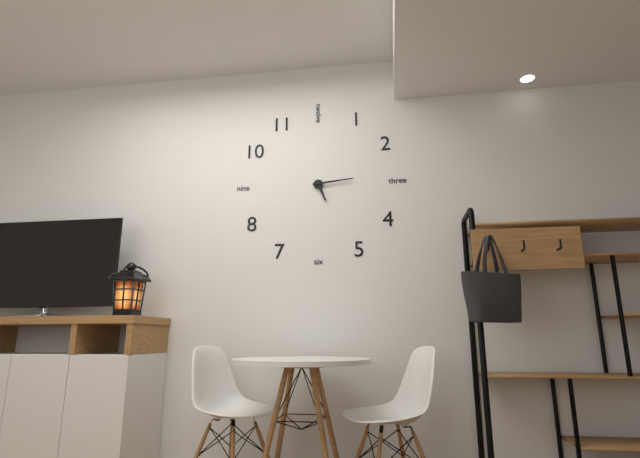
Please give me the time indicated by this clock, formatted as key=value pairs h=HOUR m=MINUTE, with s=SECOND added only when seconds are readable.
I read h=5 m=14
